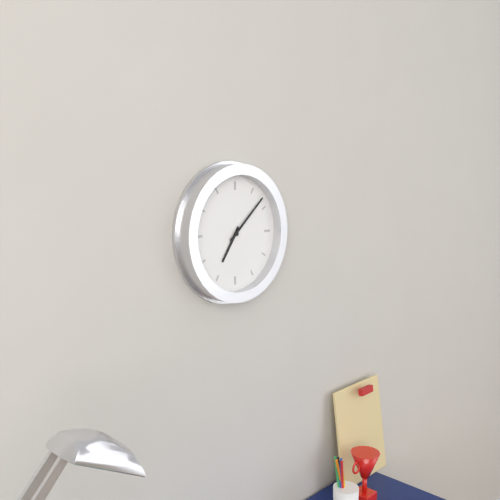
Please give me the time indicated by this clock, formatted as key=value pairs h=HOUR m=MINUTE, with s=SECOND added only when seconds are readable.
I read h=7 m=8
